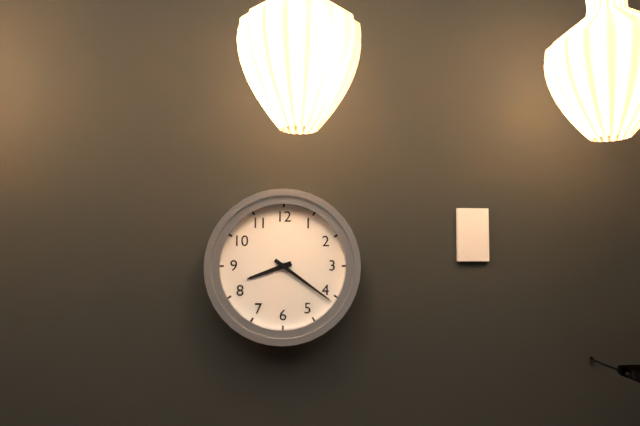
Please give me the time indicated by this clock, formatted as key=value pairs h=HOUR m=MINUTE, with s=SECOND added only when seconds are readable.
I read h=8 m=21
